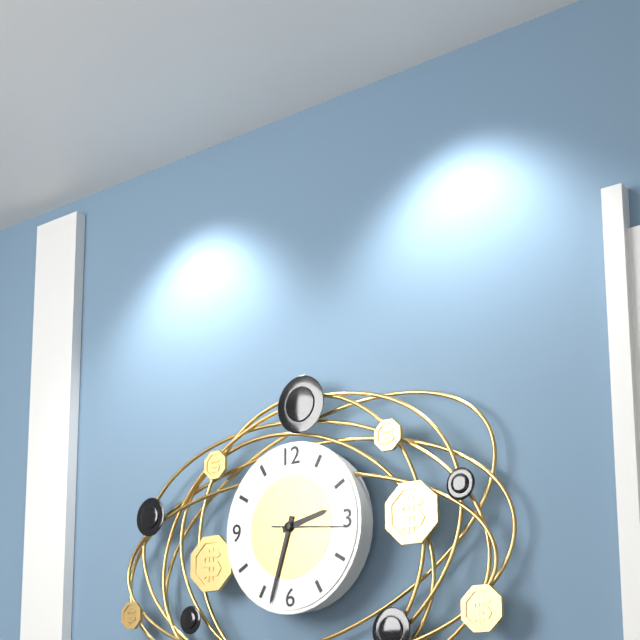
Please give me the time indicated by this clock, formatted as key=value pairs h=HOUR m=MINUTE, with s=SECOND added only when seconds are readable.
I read h=2 m=33 s=16
